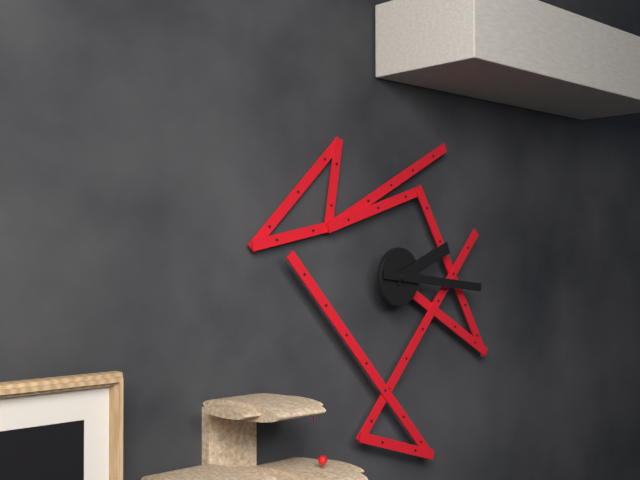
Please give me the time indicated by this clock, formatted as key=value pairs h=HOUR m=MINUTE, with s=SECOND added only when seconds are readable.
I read h=2 m=16
